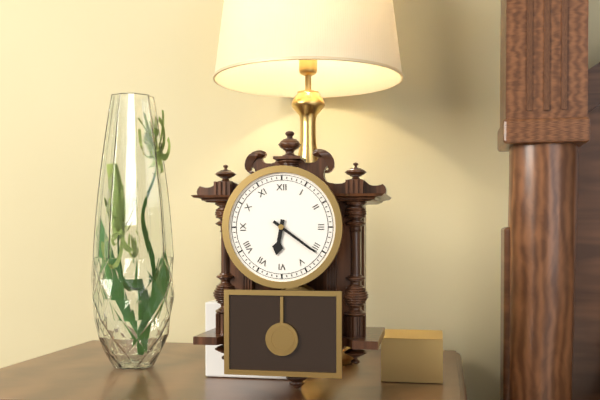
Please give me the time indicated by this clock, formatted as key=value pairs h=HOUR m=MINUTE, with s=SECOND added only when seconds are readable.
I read h=6 m=21
